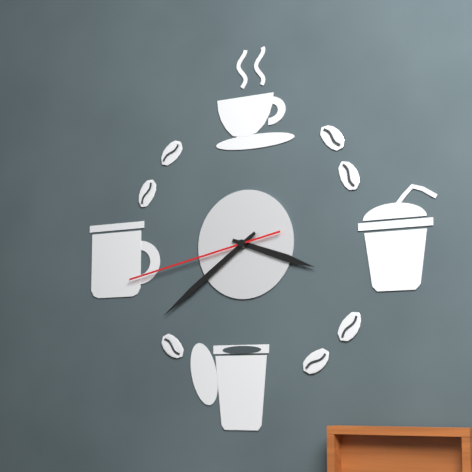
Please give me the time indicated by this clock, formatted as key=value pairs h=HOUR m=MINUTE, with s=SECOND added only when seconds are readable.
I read h=3 m=39 s=43
